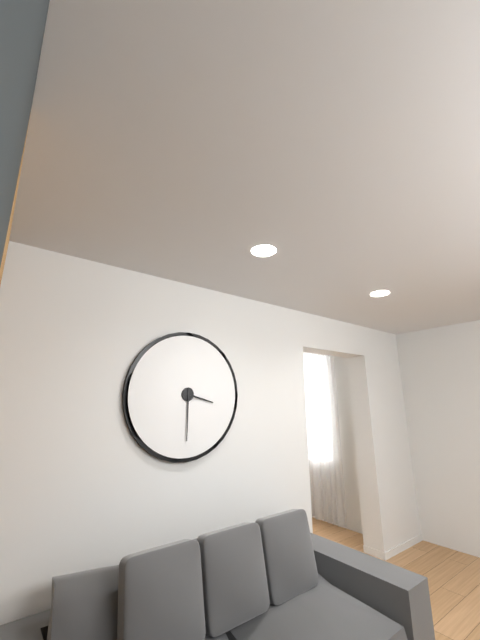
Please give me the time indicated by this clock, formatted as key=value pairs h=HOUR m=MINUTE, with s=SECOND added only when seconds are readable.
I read h=3 m=30
